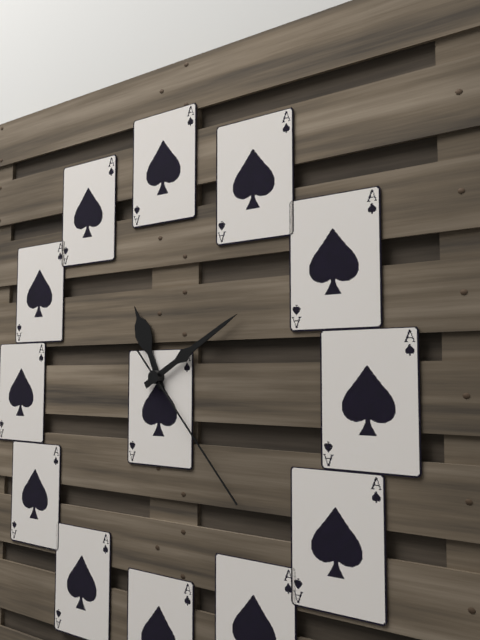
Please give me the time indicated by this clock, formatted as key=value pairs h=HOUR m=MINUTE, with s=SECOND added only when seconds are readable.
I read h=11 m=10 s=23
